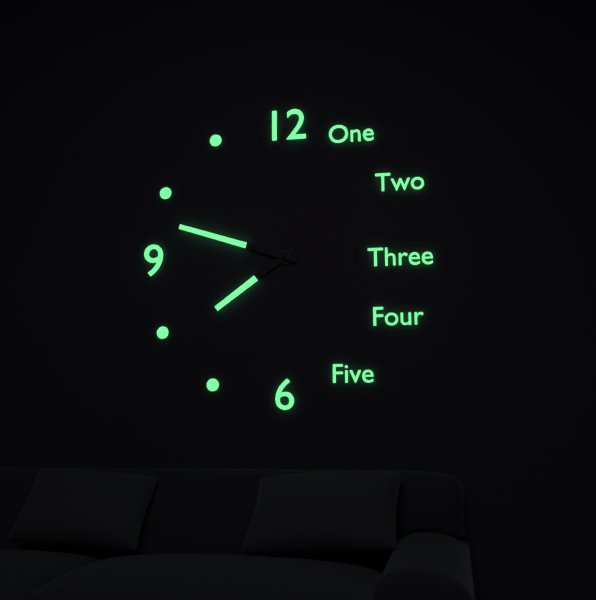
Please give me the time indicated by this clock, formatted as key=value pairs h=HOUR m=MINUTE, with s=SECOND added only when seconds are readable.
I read h=7 m=48
